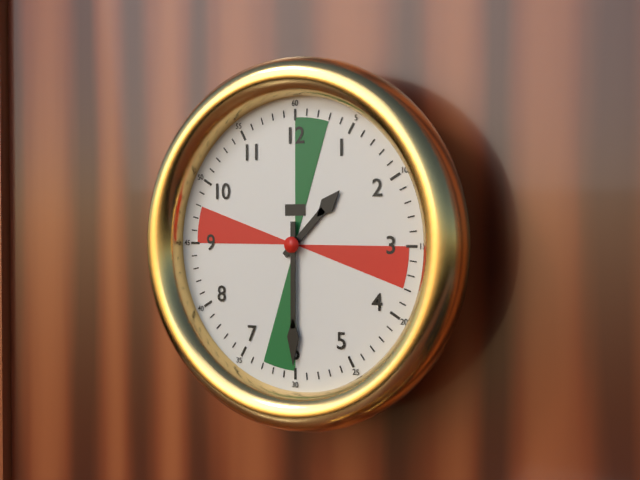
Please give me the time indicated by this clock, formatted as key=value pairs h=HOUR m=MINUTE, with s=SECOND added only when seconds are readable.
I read h=1 m=30
